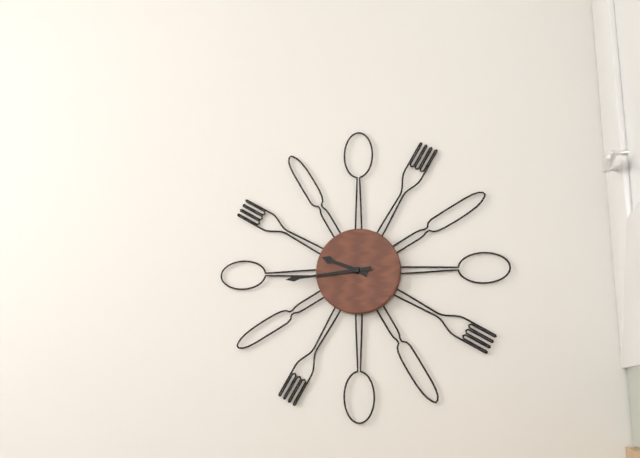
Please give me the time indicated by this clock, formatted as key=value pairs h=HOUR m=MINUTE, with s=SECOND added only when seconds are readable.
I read h=9 m=44
